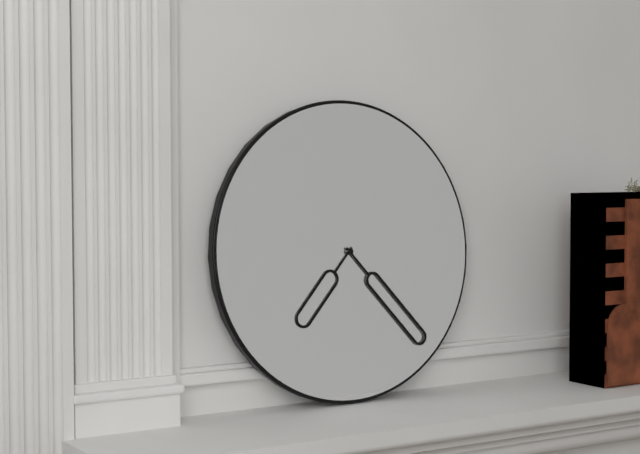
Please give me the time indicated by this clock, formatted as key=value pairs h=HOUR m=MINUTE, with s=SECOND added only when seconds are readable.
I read h=7 m=23
